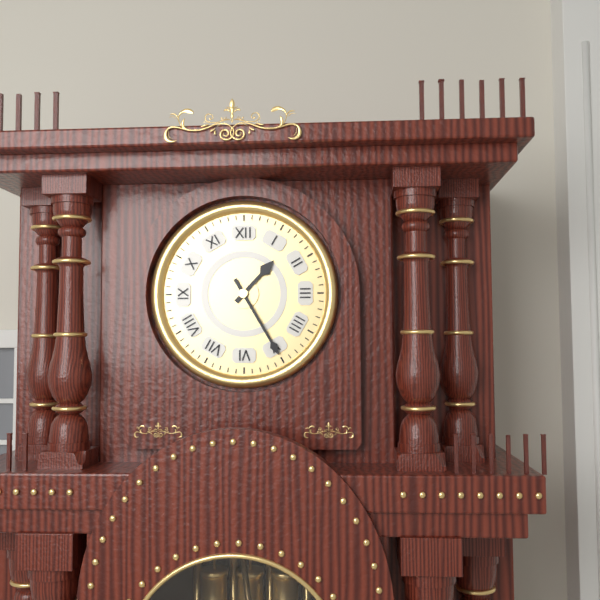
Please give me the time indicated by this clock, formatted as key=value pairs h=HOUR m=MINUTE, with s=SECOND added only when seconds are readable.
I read h=1 m=25
